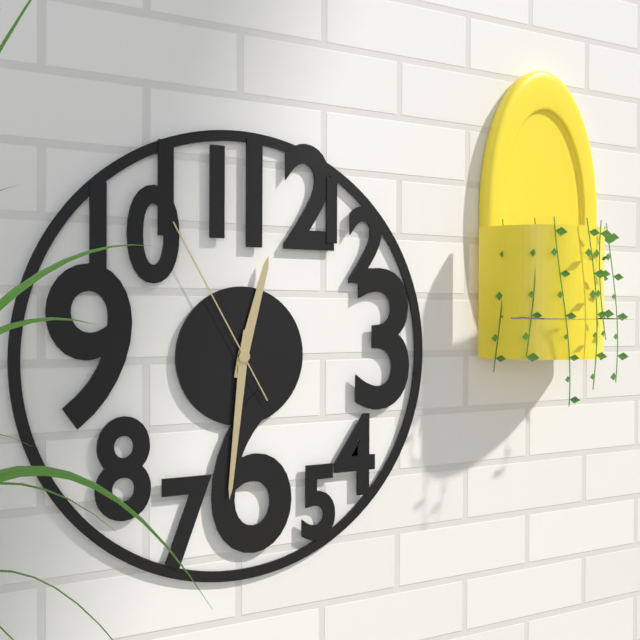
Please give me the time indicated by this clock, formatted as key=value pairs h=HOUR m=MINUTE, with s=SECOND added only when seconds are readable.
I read h=12 m=31 s=55
